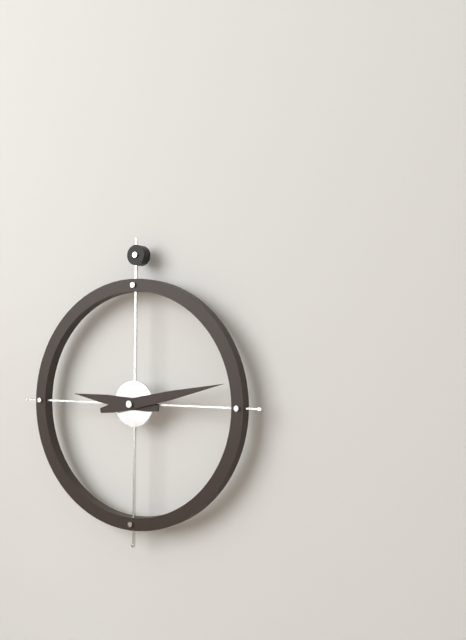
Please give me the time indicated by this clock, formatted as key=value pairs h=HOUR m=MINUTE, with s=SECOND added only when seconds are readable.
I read h=9 m=13
